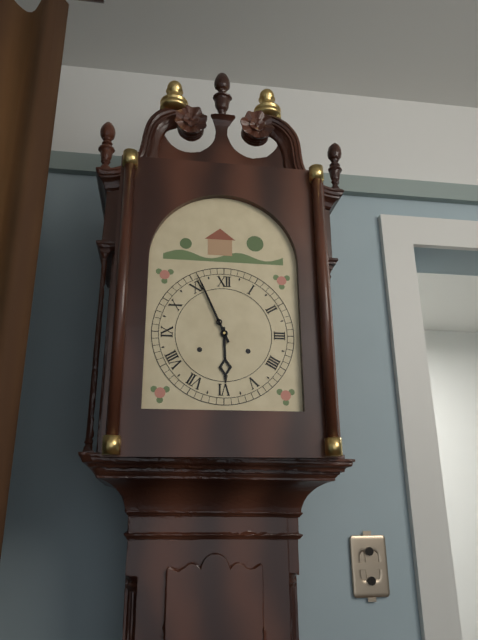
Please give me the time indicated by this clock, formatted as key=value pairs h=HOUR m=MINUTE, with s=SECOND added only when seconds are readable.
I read h=5 m=56
